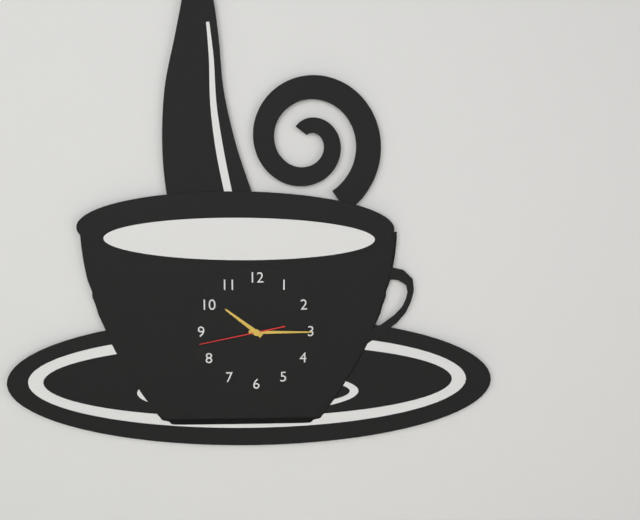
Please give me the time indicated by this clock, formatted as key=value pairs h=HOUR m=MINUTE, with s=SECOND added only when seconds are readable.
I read h=10 m=15 s=43
